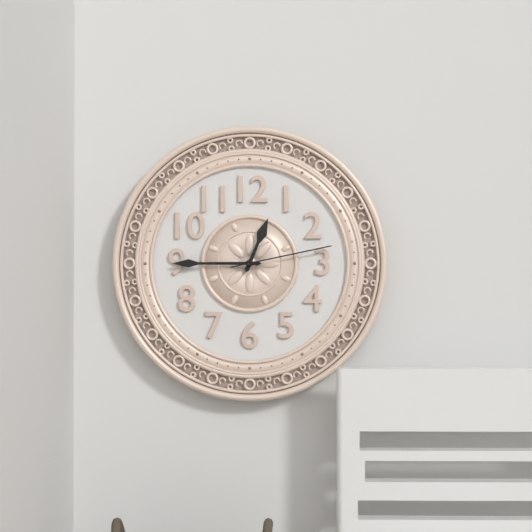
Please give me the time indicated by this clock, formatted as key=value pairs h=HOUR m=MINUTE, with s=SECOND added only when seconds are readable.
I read h=12 m=45 s=13
